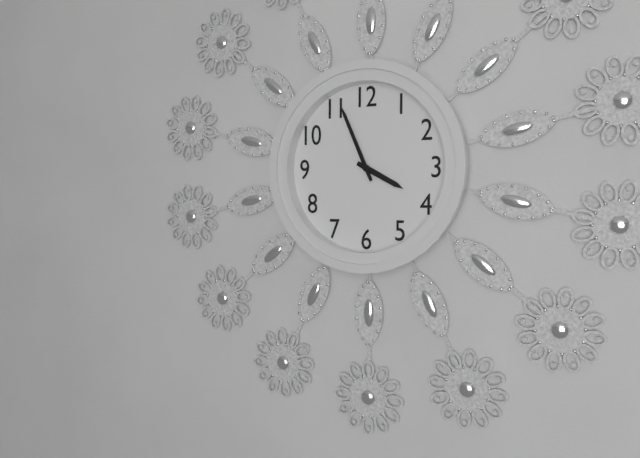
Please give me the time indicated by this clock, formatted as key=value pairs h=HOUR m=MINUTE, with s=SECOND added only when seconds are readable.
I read h=3 m=56
